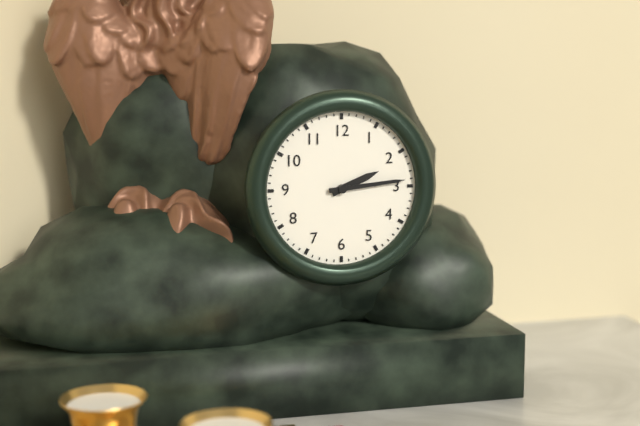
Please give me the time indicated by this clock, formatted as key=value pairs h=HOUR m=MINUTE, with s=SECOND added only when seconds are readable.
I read h=2 m=14
